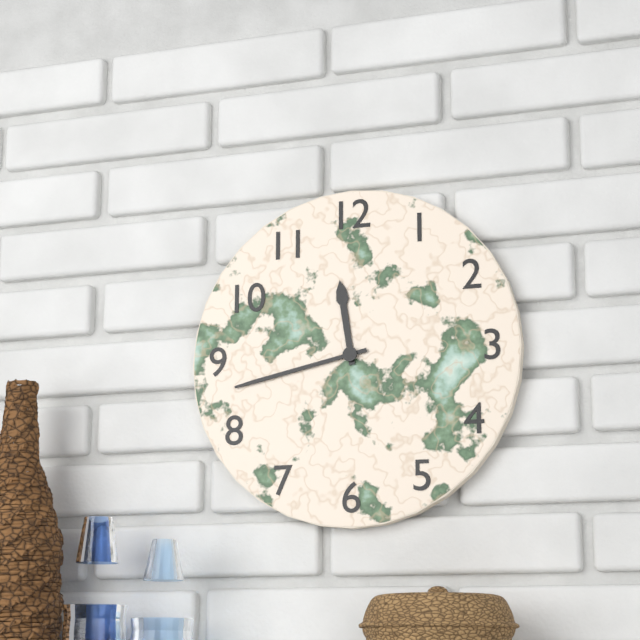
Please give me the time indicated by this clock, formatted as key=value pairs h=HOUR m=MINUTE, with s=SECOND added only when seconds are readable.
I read h=11 m=43
